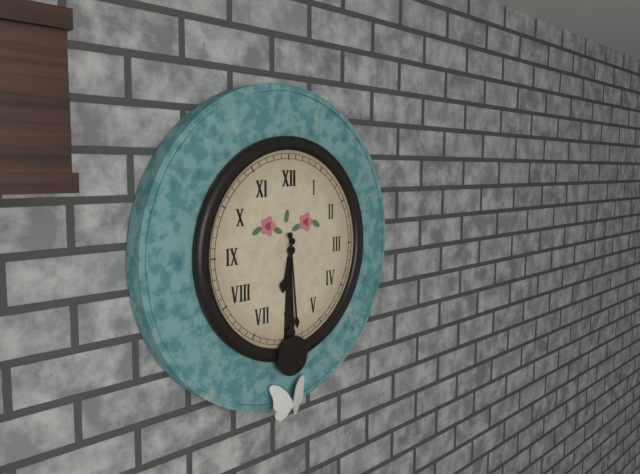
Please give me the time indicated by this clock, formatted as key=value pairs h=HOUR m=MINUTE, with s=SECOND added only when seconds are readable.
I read h=6 m=29
